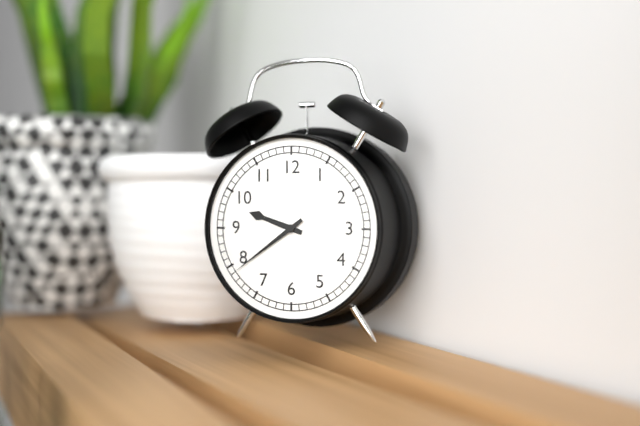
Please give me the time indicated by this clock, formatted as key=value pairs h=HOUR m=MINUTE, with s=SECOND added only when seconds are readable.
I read h=9 m=39
